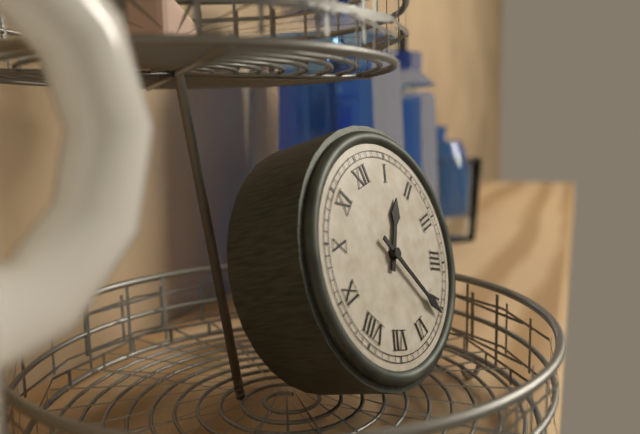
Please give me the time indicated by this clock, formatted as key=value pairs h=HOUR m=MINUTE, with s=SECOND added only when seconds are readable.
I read h=1 m=26
